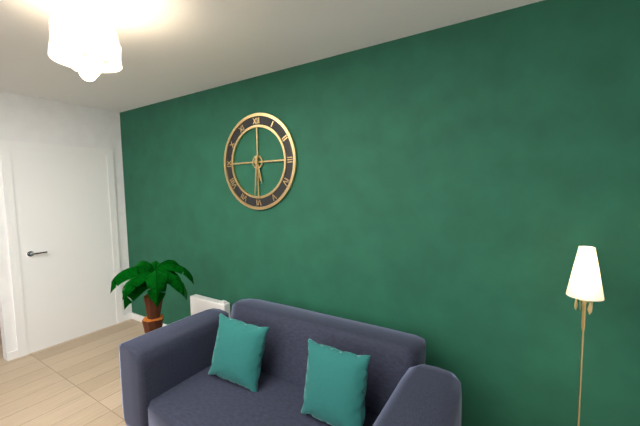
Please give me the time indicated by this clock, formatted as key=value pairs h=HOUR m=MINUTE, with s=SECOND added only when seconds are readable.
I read h=5 m=31
